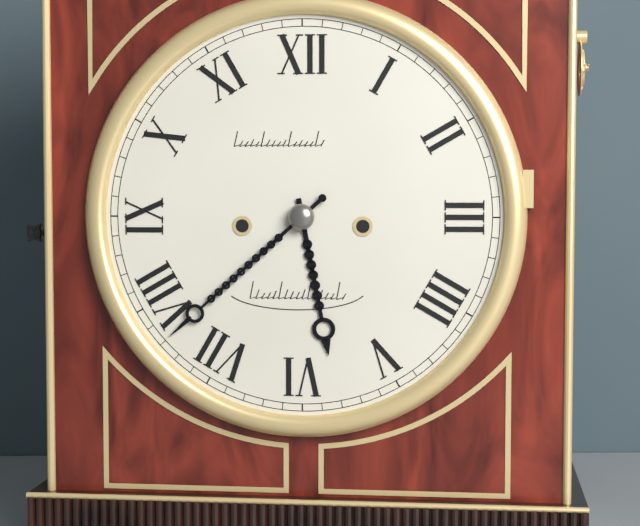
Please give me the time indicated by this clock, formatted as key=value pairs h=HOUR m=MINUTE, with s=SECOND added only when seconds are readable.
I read h=5 m=38
